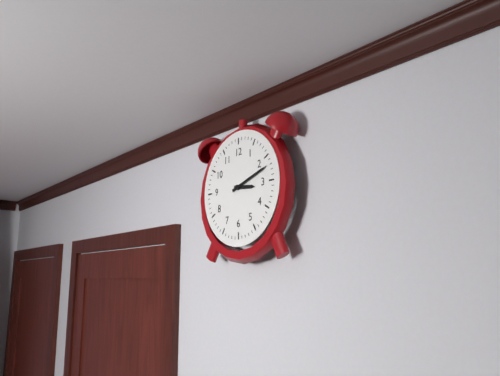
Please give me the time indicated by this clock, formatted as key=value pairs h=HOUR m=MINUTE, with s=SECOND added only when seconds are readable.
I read h=3 m=12
